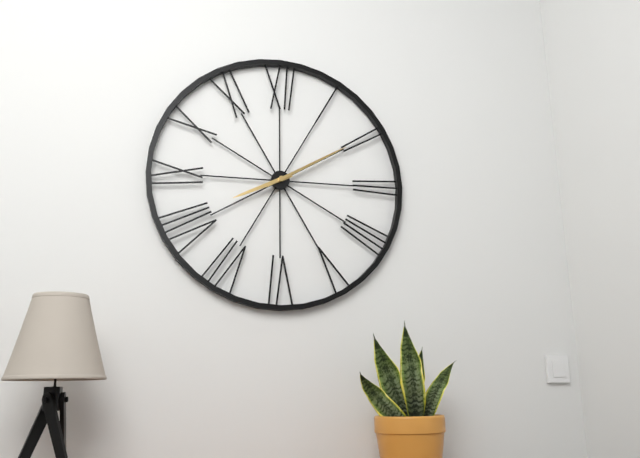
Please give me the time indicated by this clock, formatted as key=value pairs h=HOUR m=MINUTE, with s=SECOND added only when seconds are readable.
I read h=8 m=10
